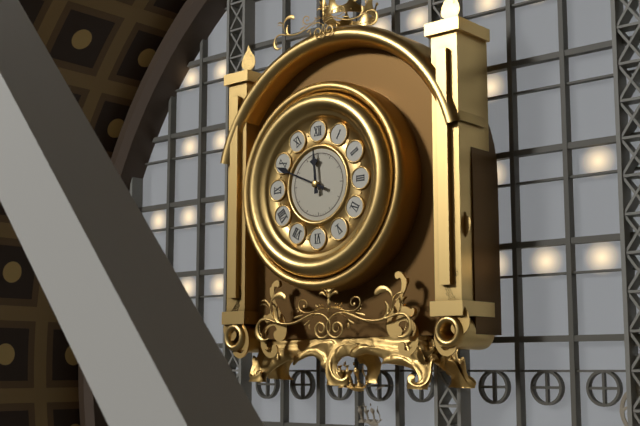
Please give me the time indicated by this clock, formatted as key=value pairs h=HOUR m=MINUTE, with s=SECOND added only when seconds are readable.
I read h=11 m=49
